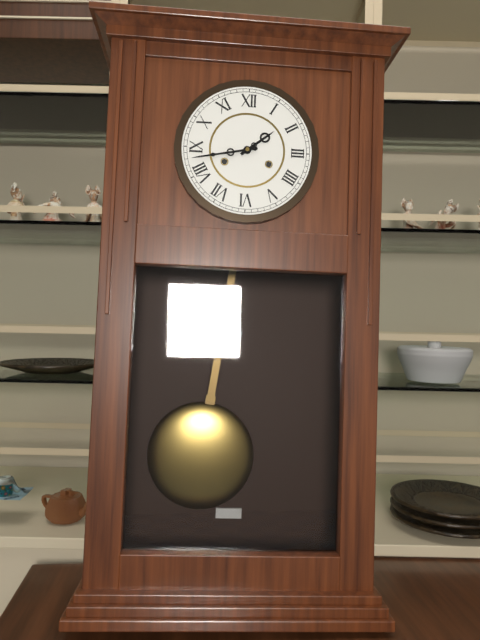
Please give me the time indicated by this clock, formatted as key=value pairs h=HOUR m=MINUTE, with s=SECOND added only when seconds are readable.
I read h=1 m=43
